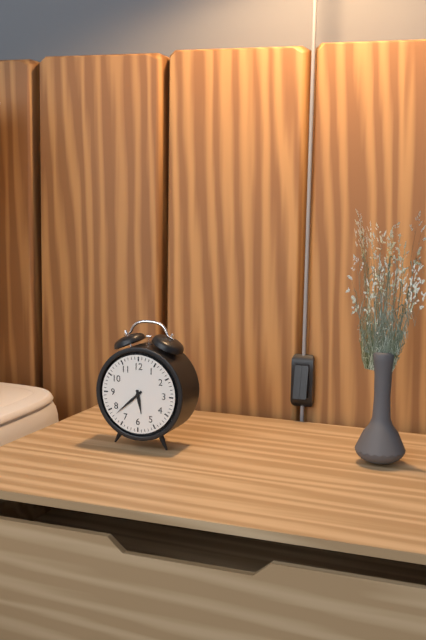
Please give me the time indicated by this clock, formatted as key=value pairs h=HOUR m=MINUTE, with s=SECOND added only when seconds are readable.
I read h=5 m=38
